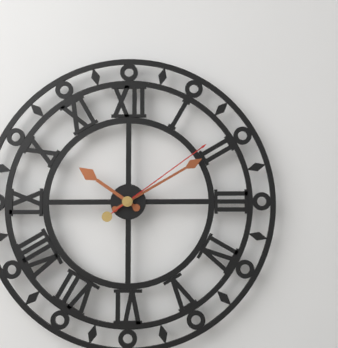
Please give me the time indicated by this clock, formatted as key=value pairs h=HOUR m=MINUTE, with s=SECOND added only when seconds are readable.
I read h=10 m=10 s=9
